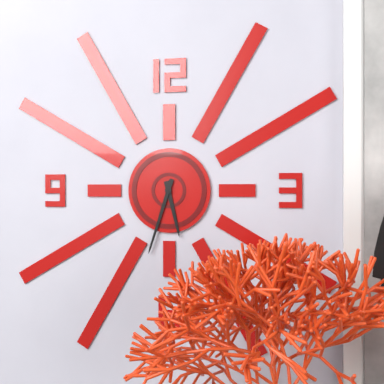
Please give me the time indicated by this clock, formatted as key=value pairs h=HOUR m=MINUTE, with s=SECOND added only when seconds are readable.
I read h=5 m=33
